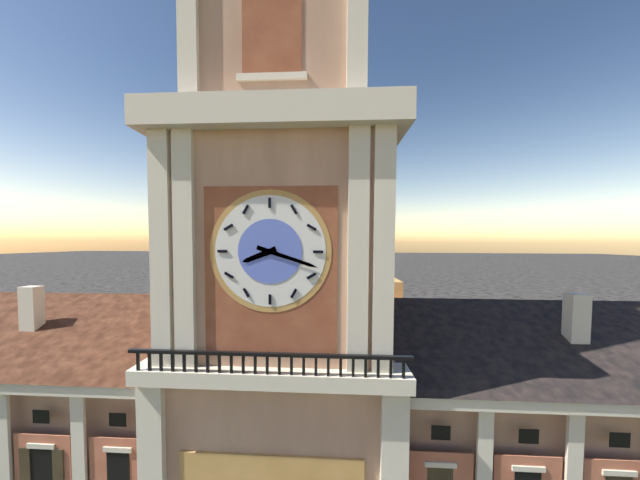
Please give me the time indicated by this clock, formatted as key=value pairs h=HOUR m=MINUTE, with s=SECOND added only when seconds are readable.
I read h=8 m=18
